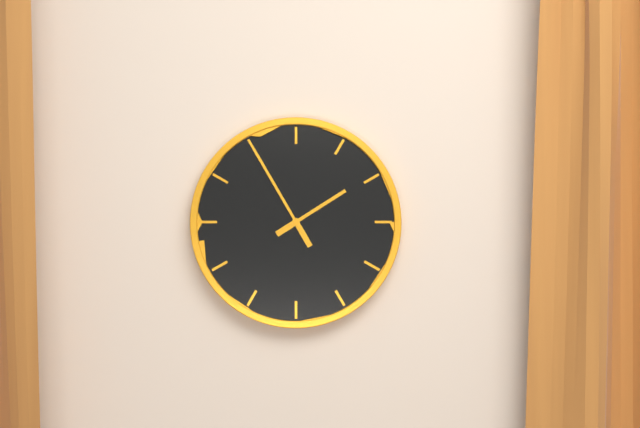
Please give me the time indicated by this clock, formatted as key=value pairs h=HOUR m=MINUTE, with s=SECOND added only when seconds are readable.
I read h=1 m=55
